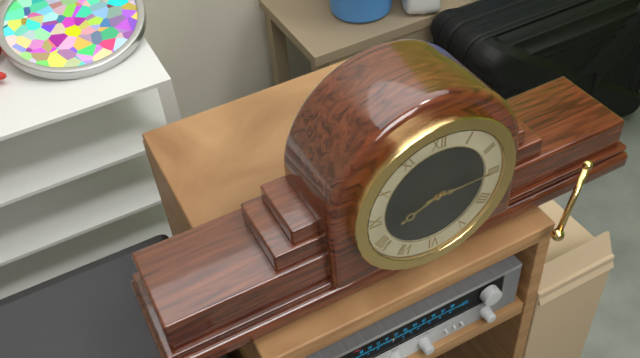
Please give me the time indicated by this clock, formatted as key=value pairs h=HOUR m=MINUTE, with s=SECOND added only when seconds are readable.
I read h=8 m=15
